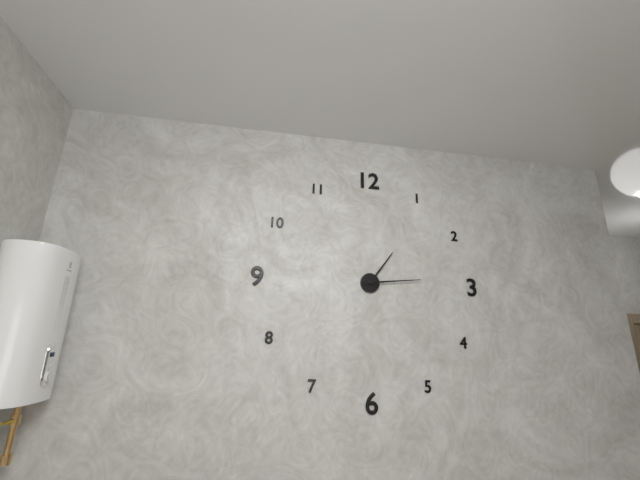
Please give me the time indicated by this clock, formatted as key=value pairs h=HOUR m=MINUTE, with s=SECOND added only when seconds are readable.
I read h=1 m=14
